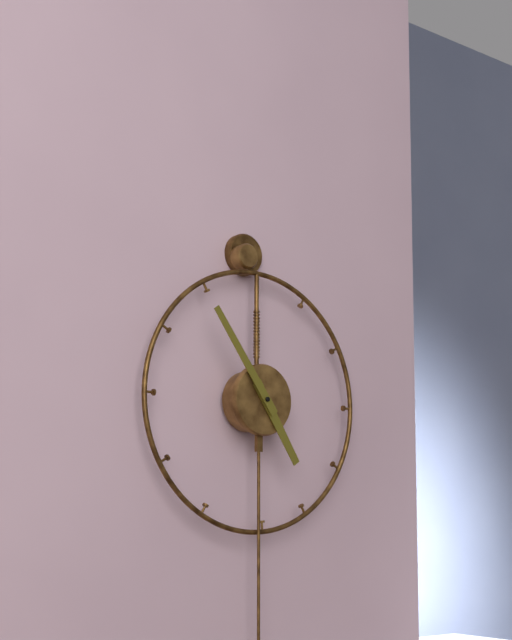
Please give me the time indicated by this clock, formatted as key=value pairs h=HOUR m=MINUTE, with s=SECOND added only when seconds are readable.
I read h=4 m=54
